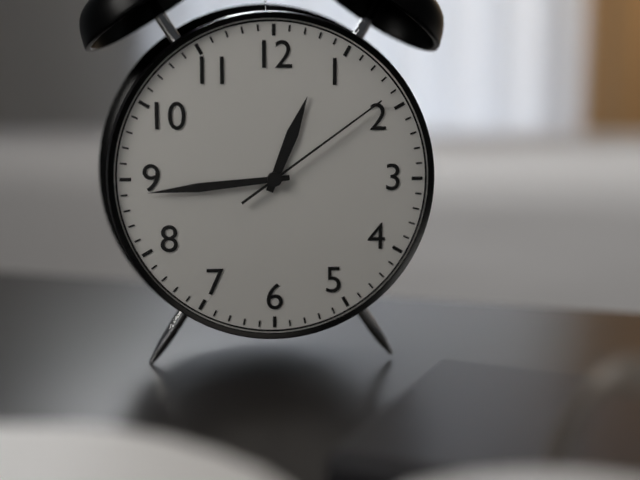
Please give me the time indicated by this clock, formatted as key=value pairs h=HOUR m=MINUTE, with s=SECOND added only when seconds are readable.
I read h=12 m=44 s=9
